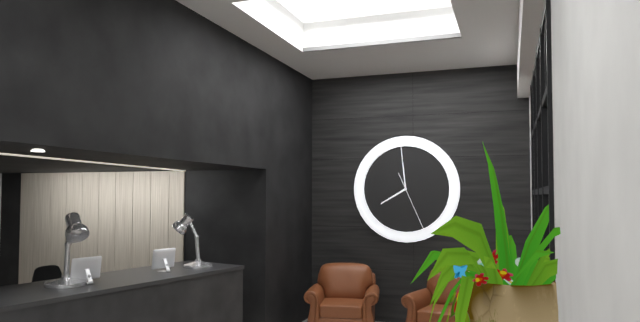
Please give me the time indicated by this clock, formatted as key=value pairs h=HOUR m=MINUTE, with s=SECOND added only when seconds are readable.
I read h=7 m=59 s=26
